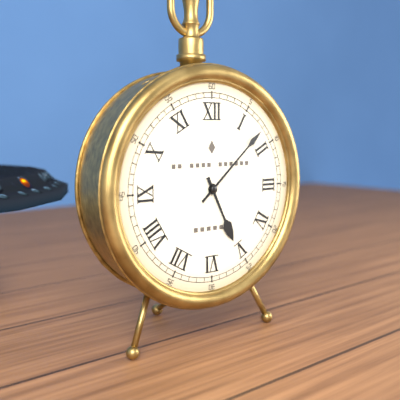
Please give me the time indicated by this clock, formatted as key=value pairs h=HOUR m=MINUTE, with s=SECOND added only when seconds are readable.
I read h=5 m=8
